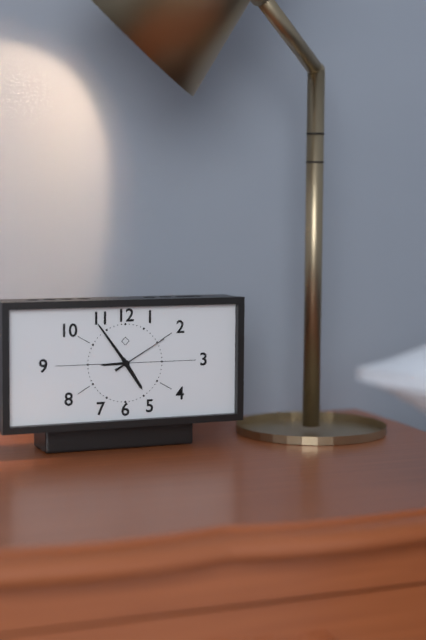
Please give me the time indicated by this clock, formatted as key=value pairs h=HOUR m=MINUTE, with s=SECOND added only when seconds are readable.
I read h=4 m=54 s=10
